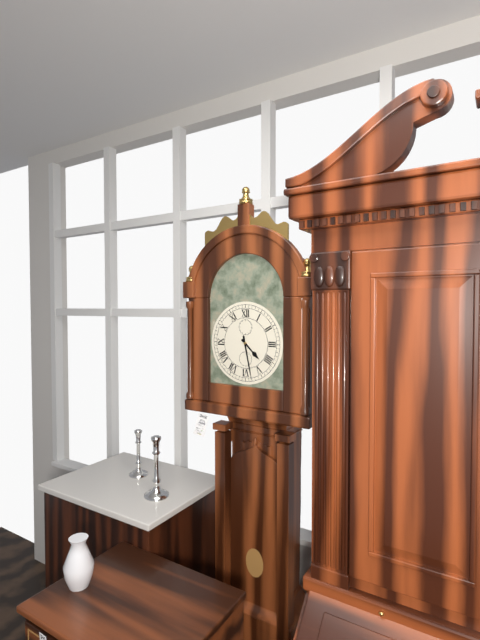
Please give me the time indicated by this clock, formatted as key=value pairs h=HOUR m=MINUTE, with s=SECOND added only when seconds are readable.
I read h=4 m=28
